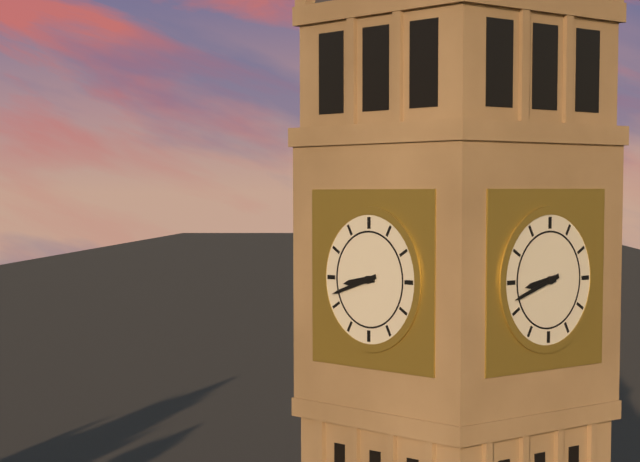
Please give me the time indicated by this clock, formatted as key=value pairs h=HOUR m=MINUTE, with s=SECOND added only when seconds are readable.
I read h=8 m=42
